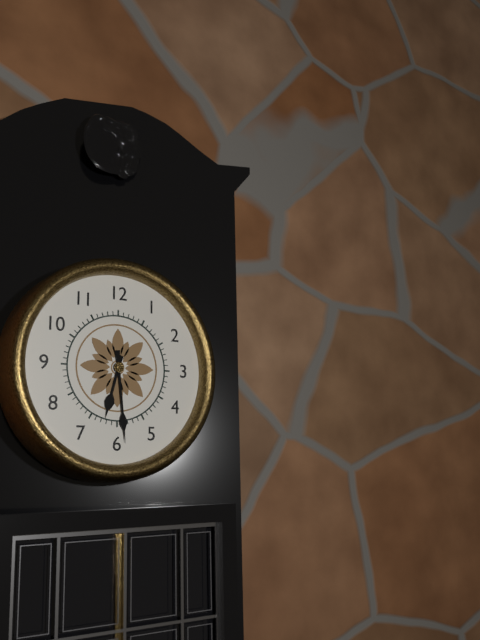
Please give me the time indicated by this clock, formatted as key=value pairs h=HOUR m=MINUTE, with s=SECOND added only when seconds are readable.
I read h=6 m=29
